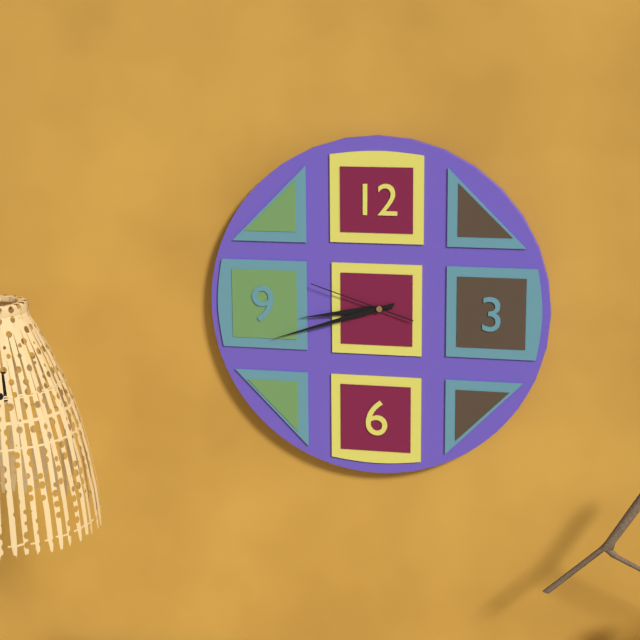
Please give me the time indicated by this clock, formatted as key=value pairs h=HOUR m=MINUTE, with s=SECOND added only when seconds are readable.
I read h=8 m=42 s=48
